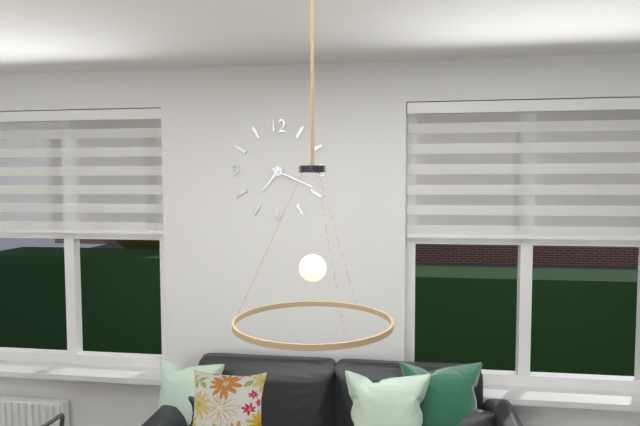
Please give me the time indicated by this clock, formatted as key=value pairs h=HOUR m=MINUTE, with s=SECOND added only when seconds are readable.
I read h=7 m=19
